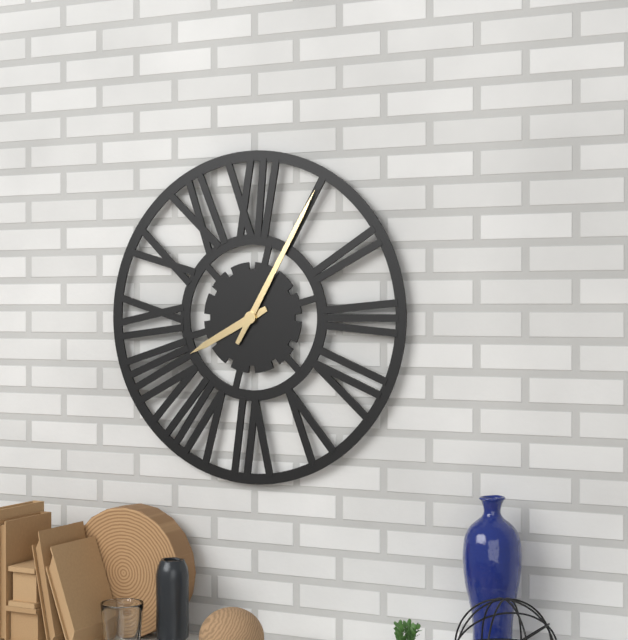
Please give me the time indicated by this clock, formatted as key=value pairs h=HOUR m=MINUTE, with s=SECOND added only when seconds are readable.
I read h=8 m=5
